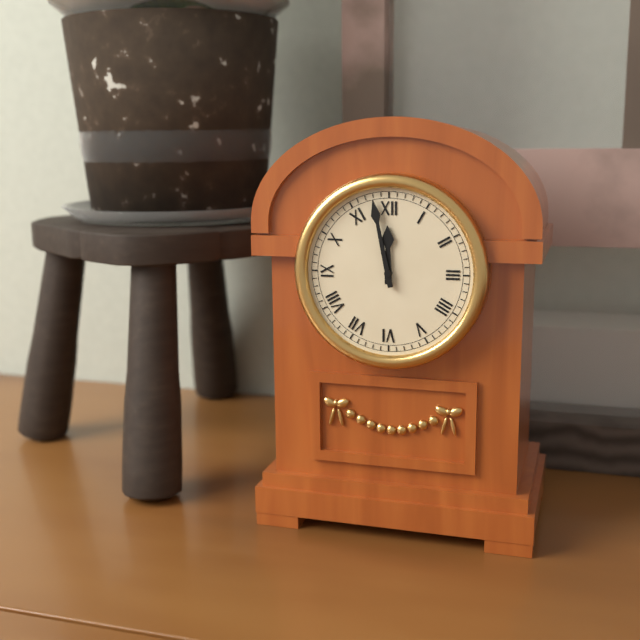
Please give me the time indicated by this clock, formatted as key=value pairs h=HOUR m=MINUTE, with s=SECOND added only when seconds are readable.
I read h=11 m=58
